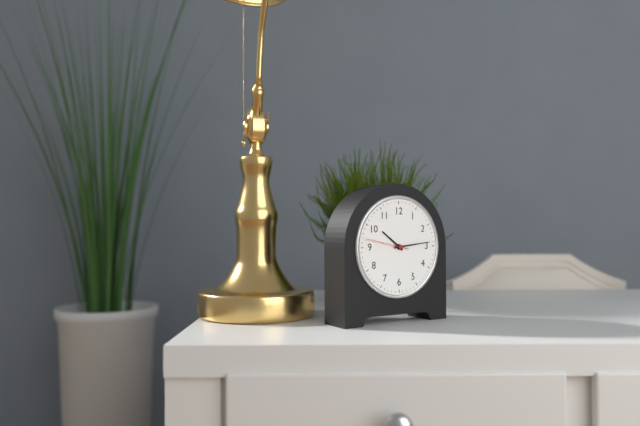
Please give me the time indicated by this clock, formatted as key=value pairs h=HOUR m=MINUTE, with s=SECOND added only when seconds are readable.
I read h=10 m=14
